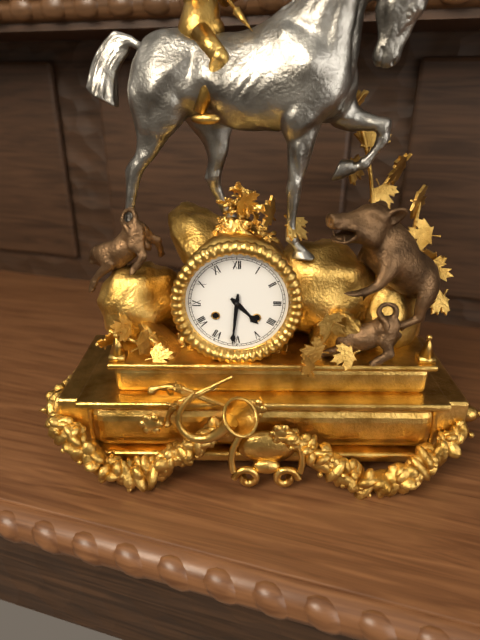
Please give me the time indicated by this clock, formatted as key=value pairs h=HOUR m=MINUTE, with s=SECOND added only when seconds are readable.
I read h=4 m=31
